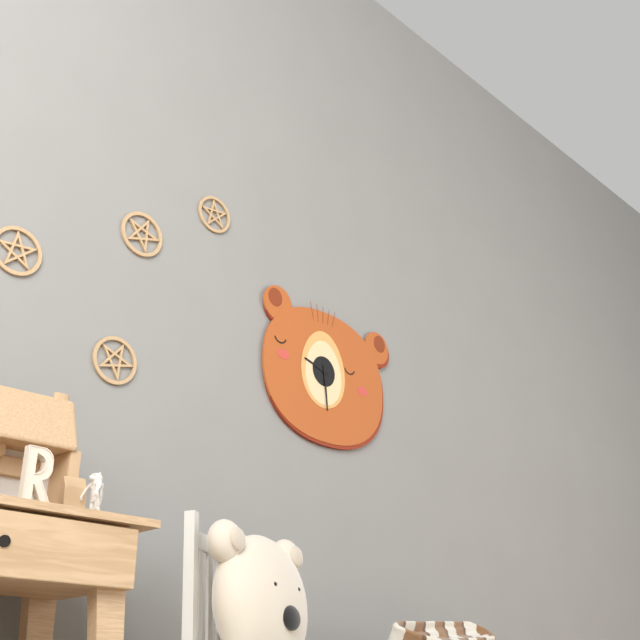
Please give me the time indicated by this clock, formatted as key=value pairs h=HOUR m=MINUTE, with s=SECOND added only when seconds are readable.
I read h=9 m=29
